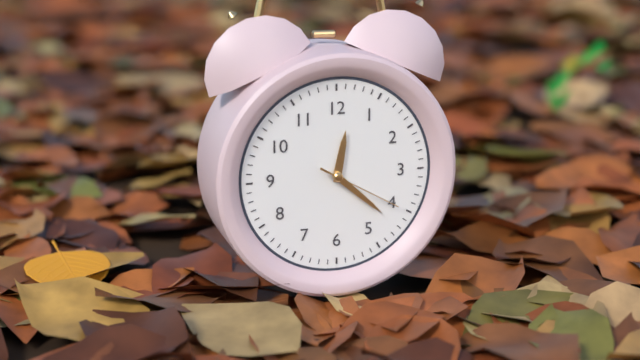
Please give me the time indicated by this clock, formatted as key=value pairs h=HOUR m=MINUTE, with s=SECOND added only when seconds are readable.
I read h=12 m=22 s=20
